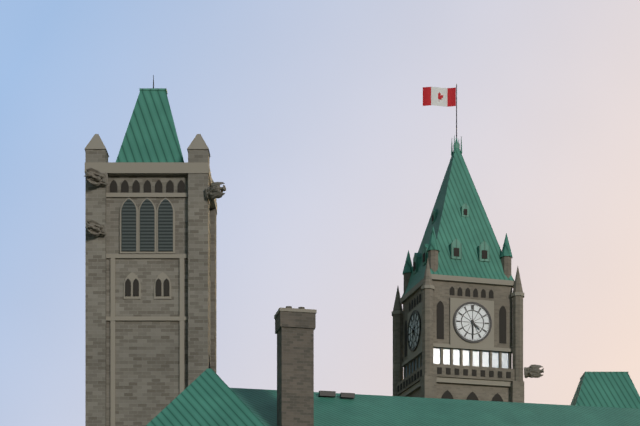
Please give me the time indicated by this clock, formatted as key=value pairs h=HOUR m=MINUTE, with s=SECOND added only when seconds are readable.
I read h=4 m=30
